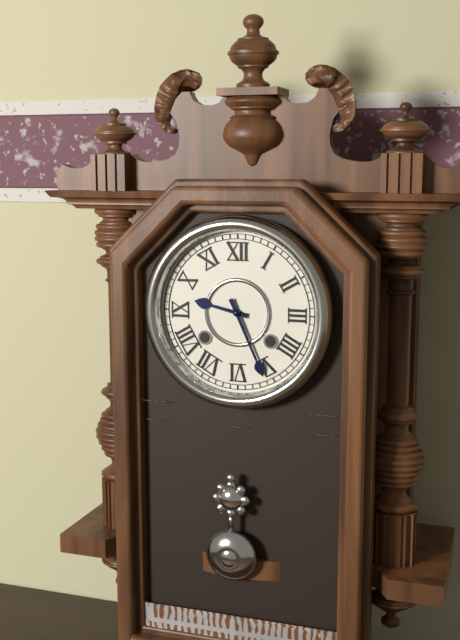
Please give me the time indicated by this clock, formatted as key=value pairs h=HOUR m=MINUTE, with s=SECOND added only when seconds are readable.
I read h=9 m=26
